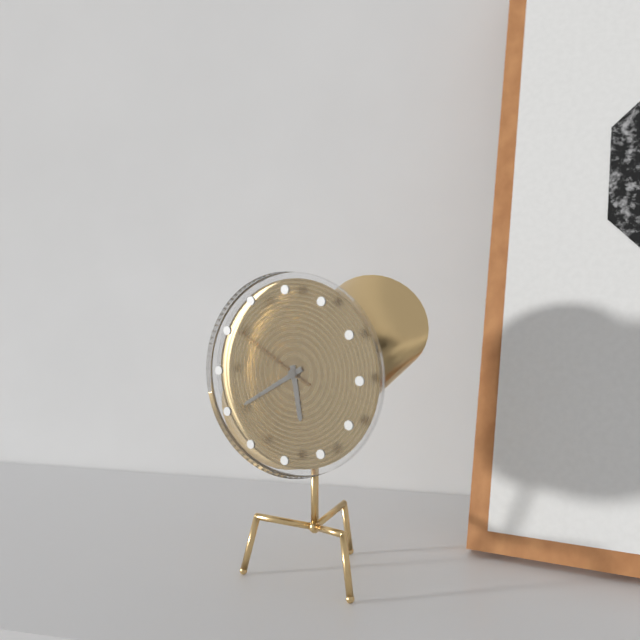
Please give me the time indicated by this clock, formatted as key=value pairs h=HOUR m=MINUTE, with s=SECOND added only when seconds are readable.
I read h=5 m=40 s=50
